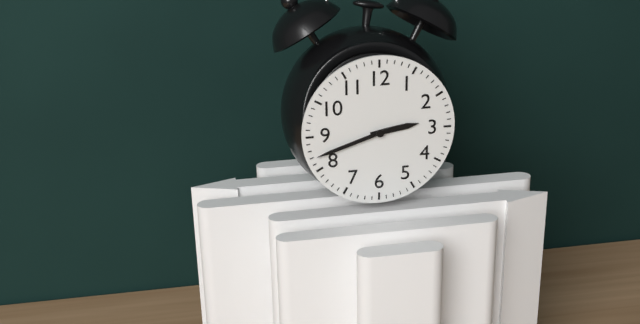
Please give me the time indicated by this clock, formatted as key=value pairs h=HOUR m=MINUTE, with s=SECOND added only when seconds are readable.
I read h=2 m=42
